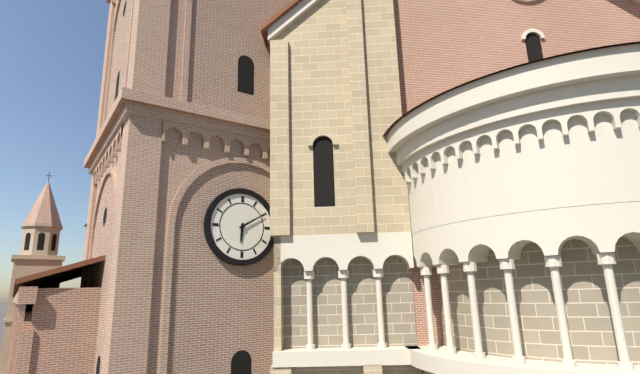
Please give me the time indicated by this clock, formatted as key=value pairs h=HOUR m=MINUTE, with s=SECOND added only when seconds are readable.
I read h=6 m=10
